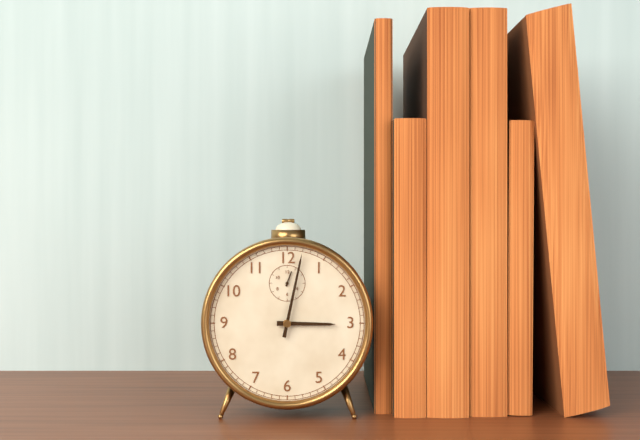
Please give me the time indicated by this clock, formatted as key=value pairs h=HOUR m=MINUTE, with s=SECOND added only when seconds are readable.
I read h=3 m=2
